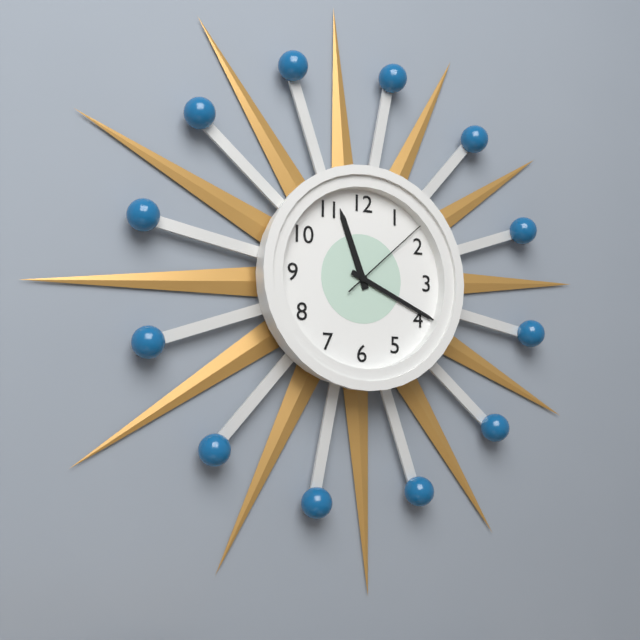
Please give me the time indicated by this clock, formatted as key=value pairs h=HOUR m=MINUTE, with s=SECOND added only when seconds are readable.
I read h=11 m=19 s=8
